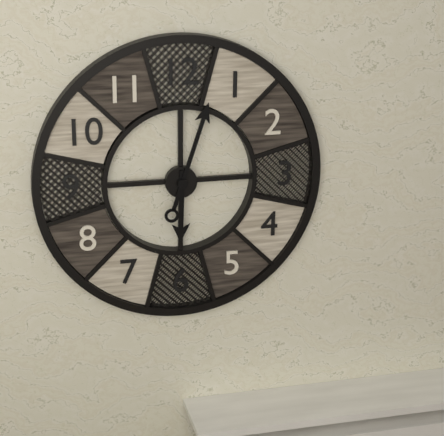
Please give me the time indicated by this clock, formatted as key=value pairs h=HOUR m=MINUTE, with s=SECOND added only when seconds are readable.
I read h=6 m=3
